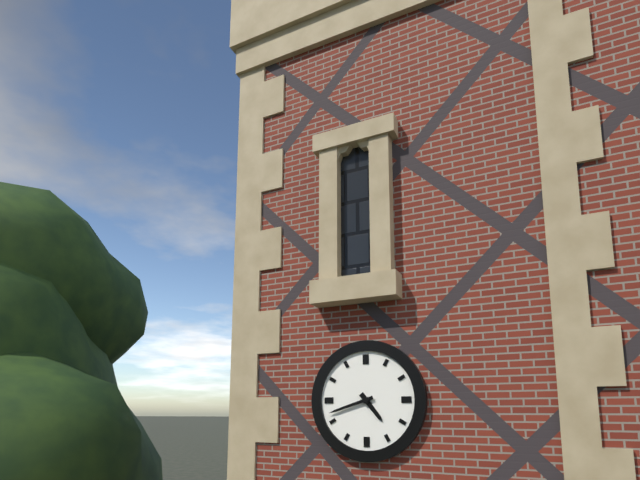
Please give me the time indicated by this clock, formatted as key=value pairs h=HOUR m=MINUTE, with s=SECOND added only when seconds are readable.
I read h=4 m=42
